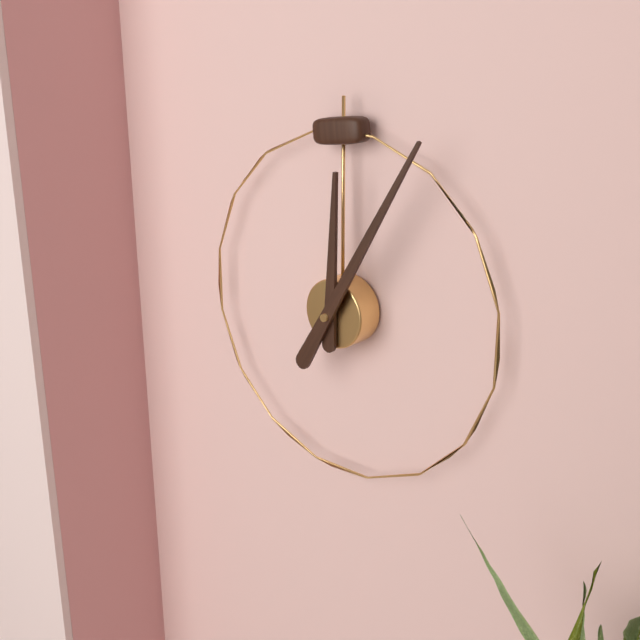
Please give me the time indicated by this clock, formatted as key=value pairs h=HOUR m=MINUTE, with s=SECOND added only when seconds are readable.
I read h=12 m=5
